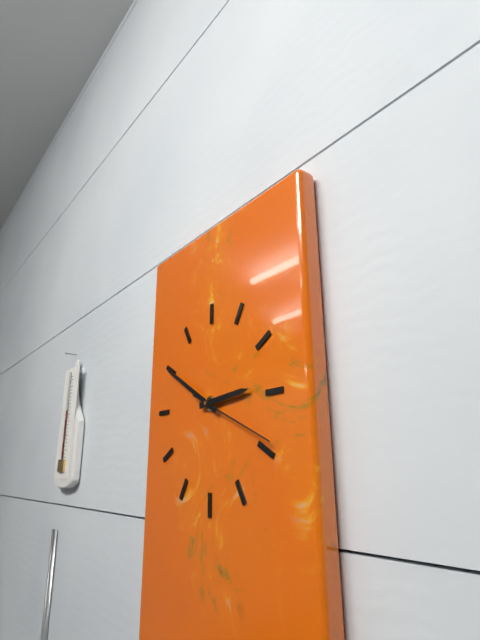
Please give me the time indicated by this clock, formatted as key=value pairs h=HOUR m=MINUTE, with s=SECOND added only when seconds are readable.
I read h=2 m=50 s=19
